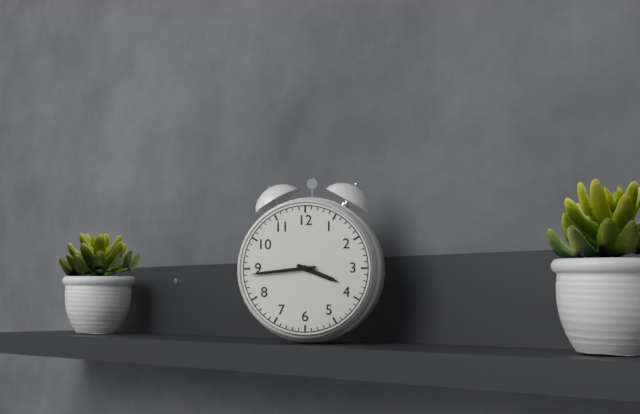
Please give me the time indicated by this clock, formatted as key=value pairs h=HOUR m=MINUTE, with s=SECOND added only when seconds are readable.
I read h=3 m=44
